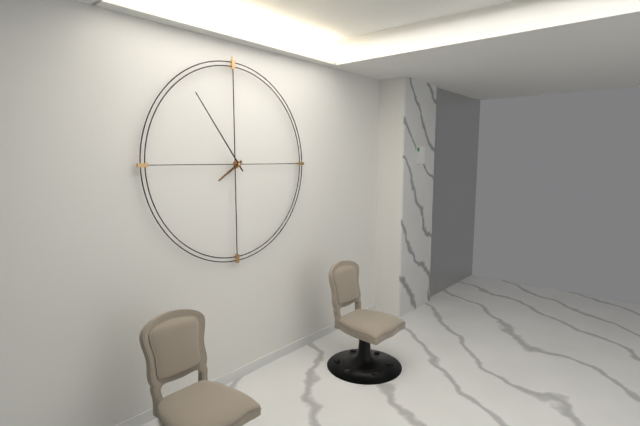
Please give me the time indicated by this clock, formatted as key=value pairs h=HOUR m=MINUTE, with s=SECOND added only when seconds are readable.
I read h=7 m=54
